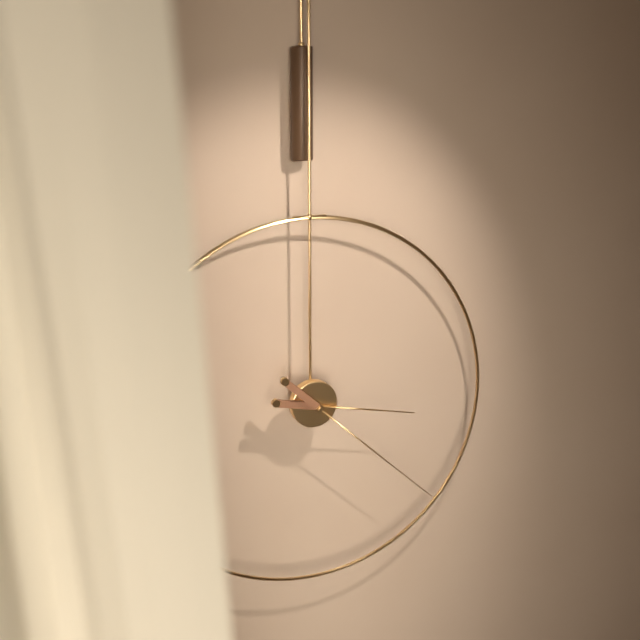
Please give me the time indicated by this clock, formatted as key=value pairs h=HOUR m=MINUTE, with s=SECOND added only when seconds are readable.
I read h=3 m=22
